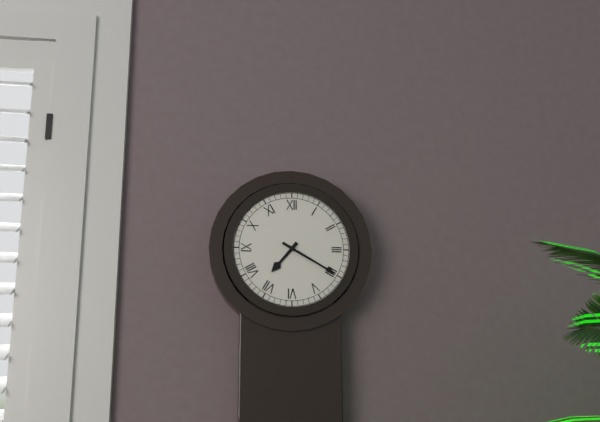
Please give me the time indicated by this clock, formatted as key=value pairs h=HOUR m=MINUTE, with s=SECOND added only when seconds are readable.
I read h=7 m=20
